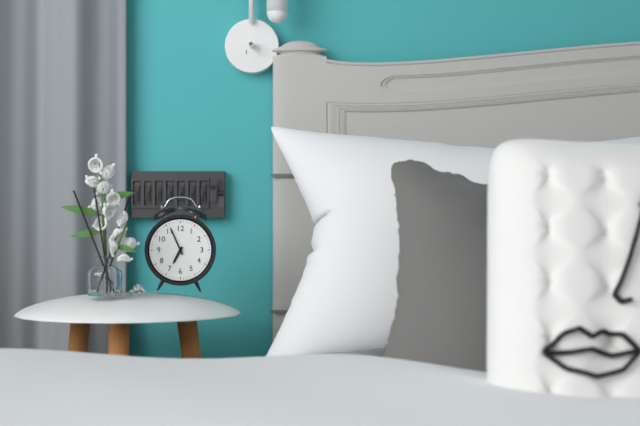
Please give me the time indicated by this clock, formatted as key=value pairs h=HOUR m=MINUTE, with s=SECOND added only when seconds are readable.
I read h=6 m=56
